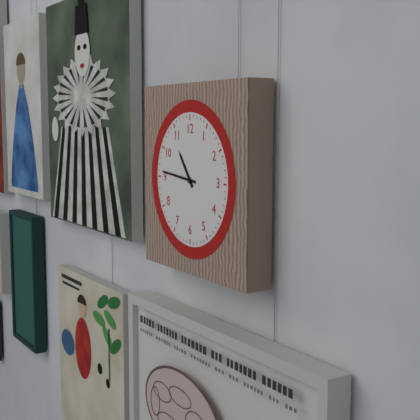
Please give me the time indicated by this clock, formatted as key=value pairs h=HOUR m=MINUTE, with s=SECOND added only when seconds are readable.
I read h=10 m=46
